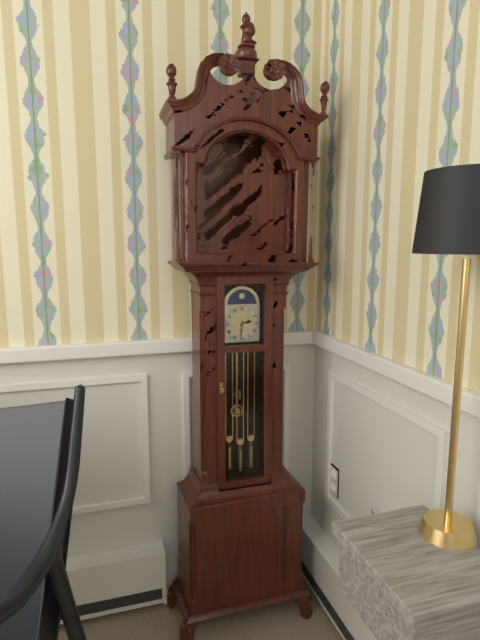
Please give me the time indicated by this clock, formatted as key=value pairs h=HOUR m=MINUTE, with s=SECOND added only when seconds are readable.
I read h=2 m=31
